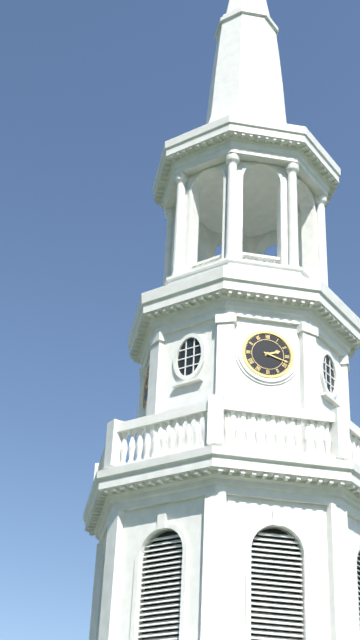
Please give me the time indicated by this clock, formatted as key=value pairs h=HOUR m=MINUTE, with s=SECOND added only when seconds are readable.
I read h=2 m=18
